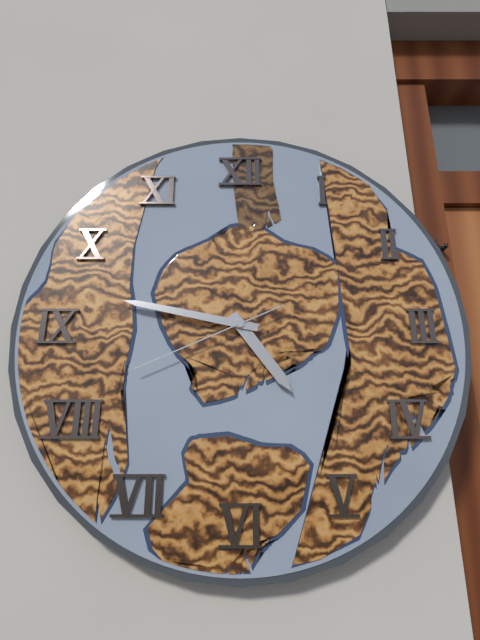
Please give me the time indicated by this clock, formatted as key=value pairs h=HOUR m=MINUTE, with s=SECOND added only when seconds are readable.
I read h=4 m=47 s=41
